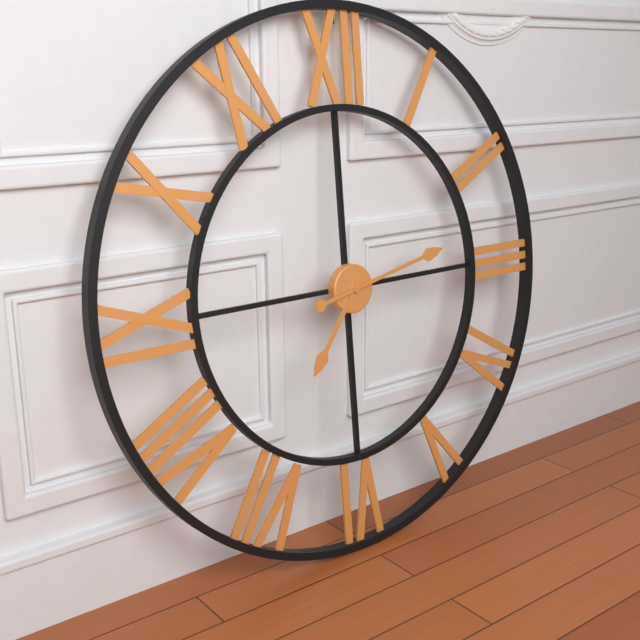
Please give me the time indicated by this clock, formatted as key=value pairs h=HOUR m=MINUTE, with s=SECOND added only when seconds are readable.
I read h=7 m=13
